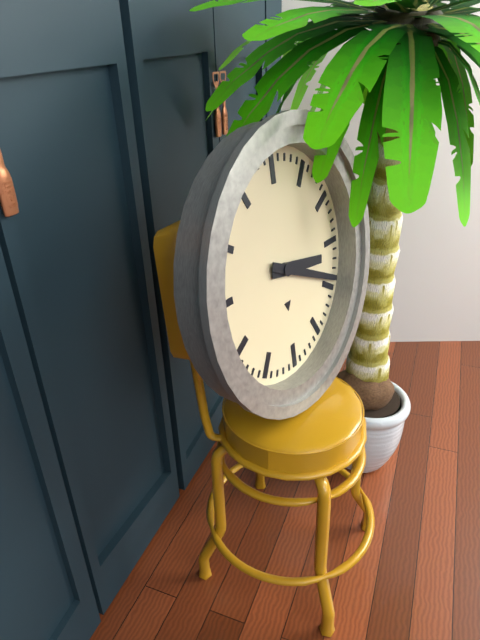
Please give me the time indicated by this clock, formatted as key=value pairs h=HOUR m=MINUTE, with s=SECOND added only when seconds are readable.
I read h=3 m=19
